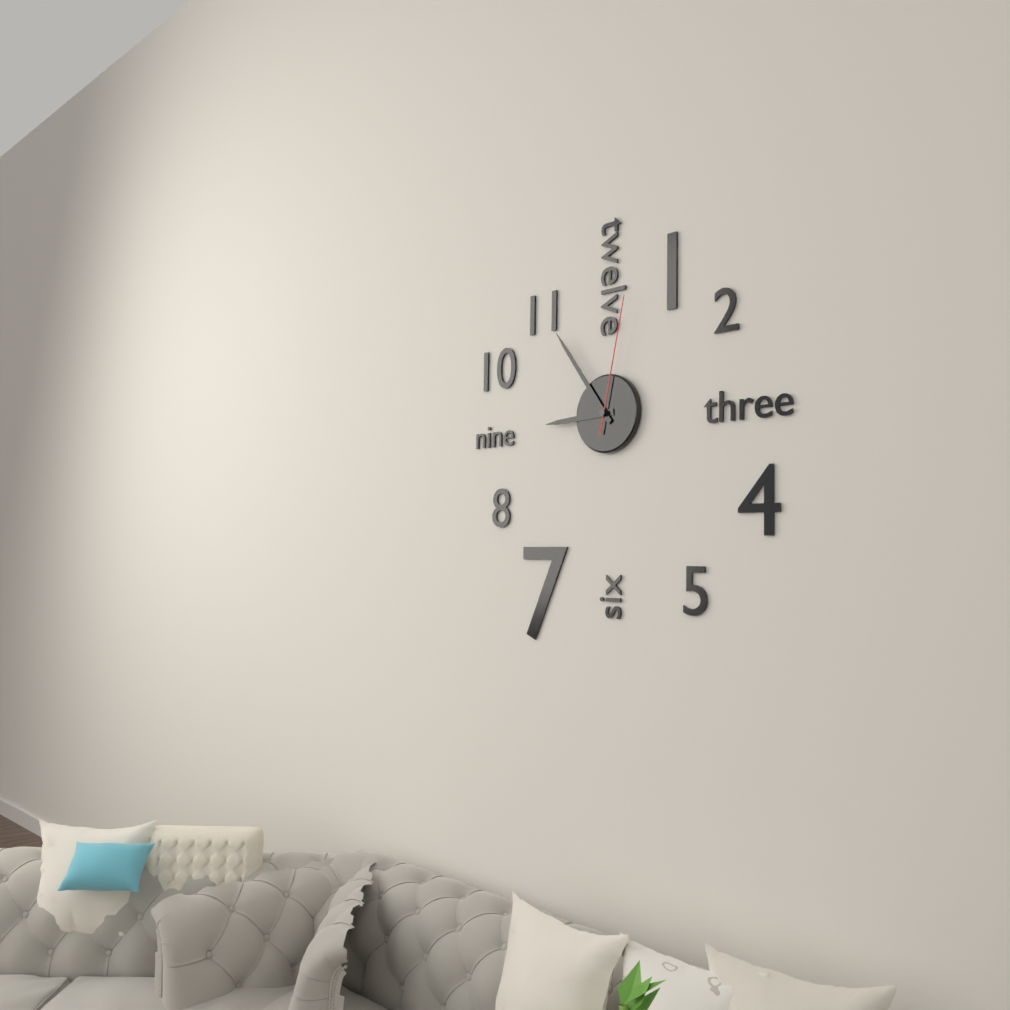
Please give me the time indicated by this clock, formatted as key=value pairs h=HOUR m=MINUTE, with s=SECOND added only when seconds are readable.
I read h=8 m=54 s=2
